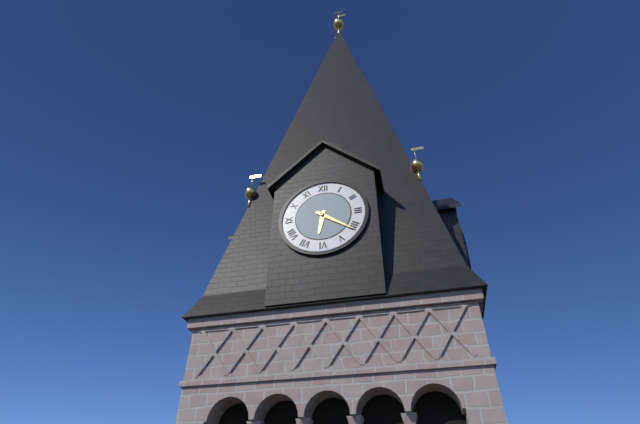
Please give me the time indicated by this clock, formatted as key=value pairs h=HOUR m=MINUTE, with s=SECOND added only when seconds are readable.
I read h=6 m=21
